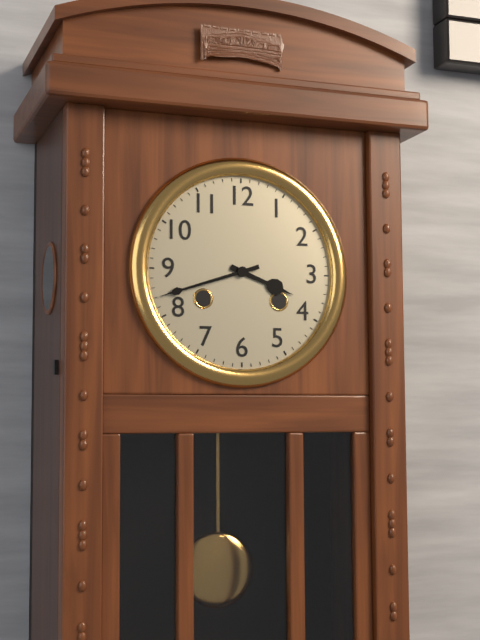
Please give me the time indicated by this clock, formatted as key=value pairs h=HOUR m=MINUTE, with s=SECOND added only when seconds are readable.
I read h=3 m=42
